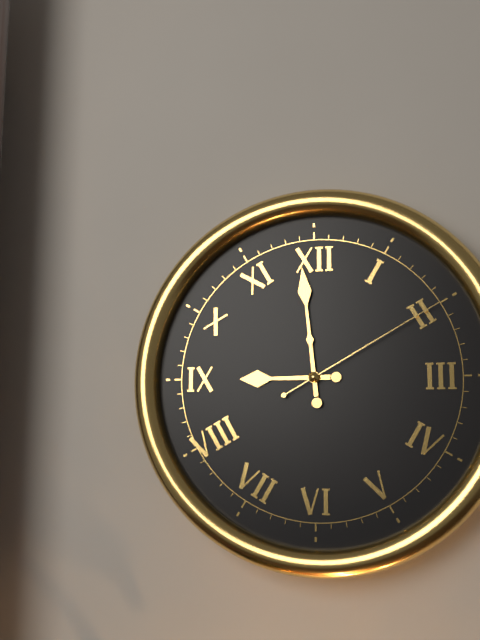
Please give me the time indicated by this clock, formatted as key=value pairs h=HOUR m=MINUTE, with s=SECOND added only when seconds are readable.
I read h=8 m=59 s=10
